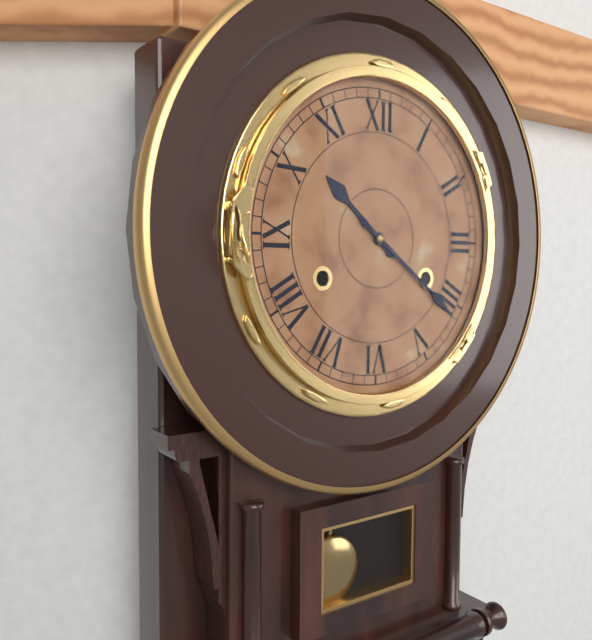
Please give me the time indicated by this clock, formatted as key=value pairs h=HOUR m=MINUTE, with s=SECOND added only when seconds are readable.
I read h=10 m=21
